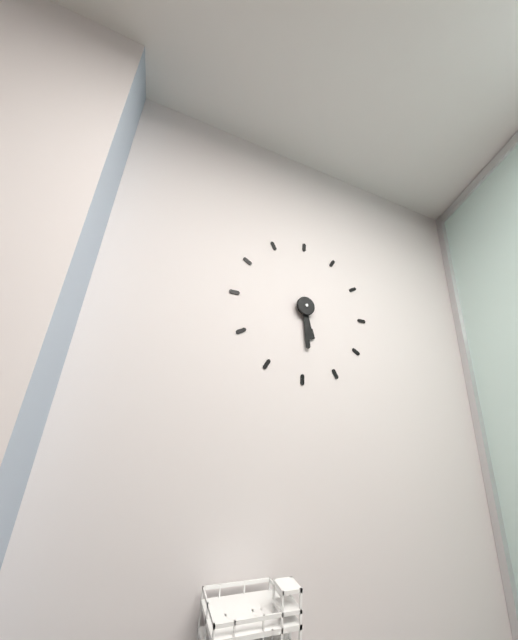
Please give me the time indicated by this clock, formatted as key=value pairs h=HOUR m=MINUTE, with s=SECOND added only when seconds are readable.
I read h=5 m=29
